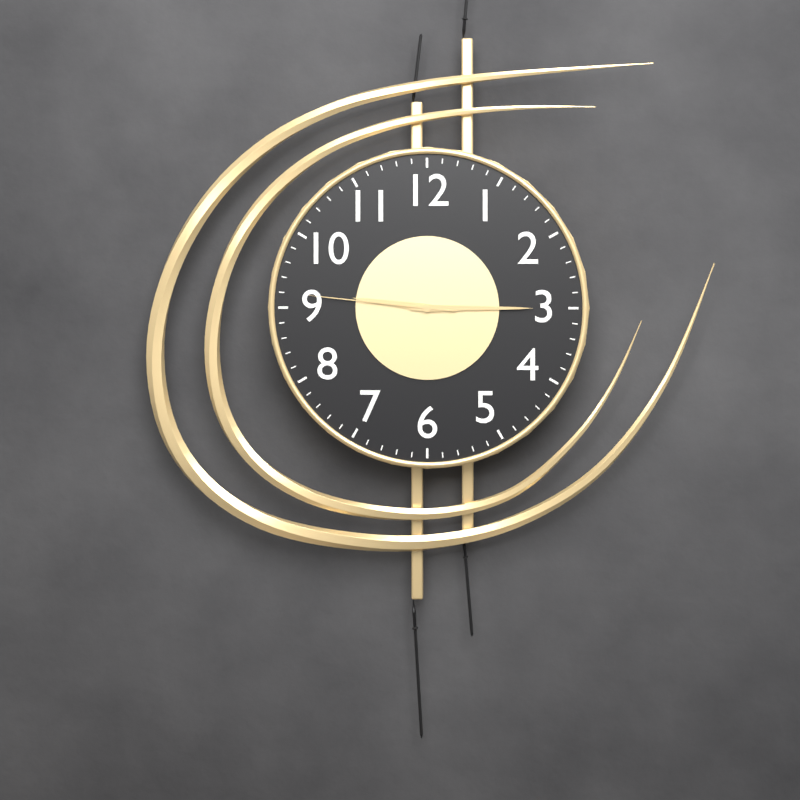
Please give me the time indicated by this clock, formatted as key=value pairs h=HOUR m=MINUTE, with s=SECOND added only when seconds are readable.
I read h=9 m=15 s=46
